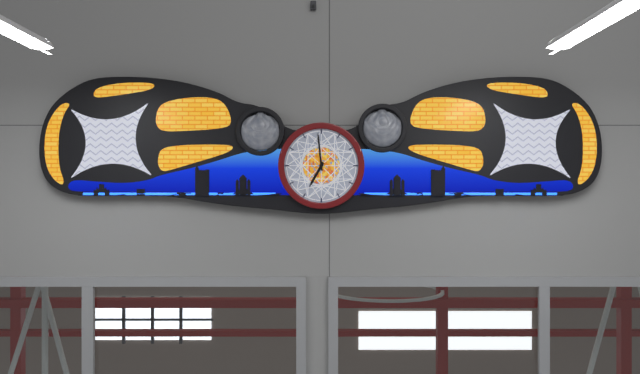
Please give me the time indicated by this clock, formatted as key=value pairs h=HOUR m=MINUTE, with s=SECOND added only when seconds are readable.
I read h=6 m=59
